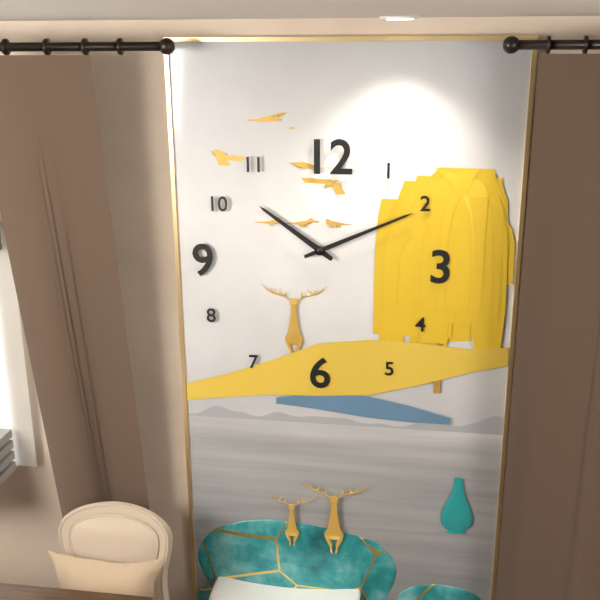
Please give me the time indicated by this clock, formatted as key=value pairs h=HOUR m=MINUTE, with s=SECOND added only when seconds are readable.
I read h=10 m=11
